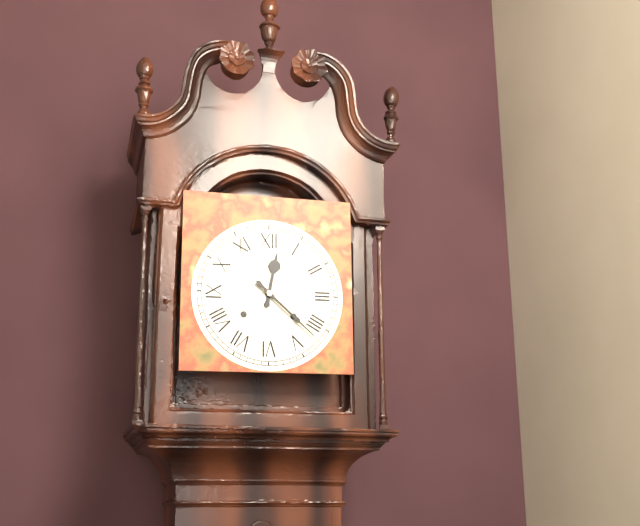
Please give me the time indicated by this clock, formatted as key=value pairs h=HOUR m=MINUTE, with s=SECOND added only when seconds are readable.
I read h=12 m=22
